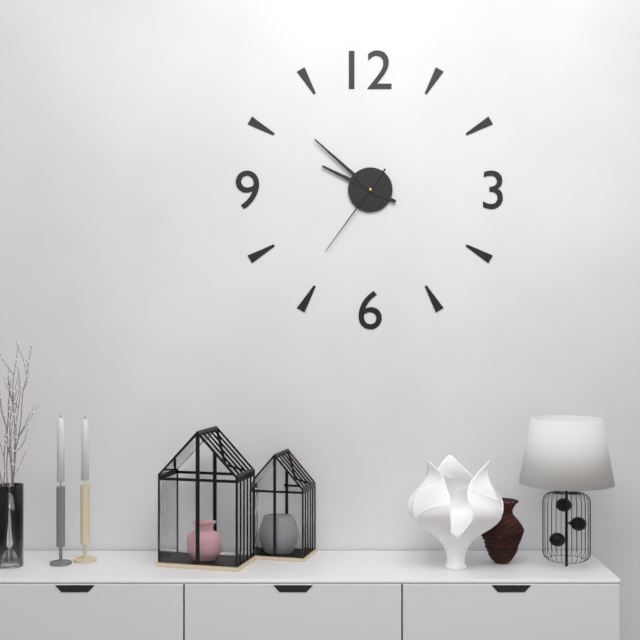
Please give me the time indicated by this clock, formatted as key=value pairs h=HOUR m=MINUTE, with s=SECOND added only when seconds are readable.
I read h=9 m=52 s=36
